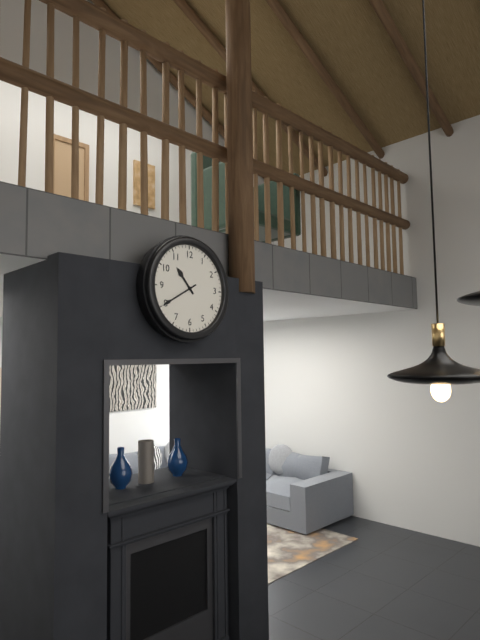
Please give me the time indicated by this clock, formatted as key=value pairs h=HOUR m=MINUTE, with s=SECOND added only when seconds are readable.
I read h=10 m=40
